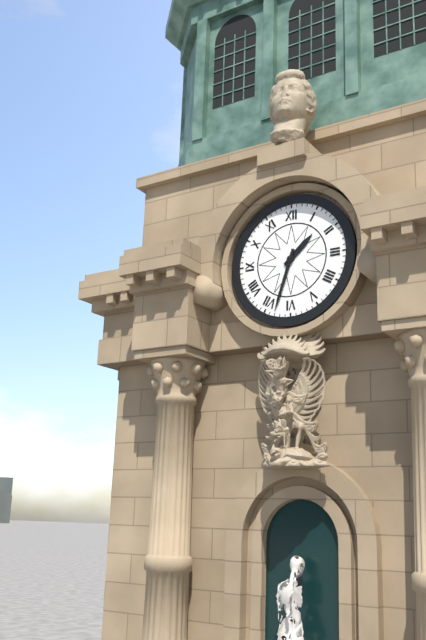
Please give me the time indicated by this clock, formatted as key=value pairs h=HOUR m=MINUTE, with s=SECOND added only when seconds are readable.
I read h=1 m=33
